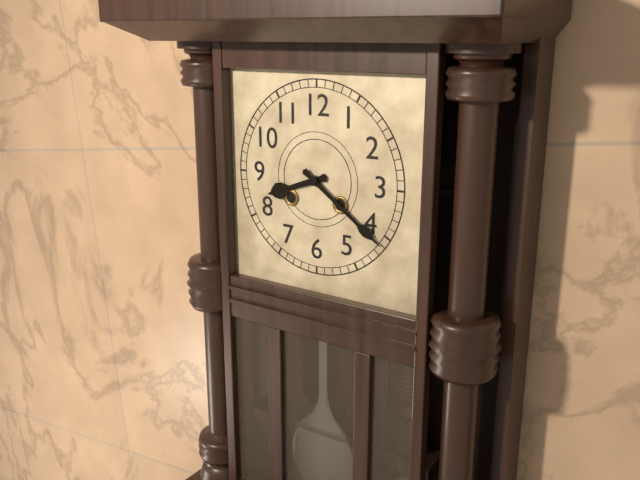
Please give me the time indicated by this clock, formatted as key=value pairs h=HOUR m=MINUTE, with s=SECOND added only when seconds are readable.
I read h=8 m=21
